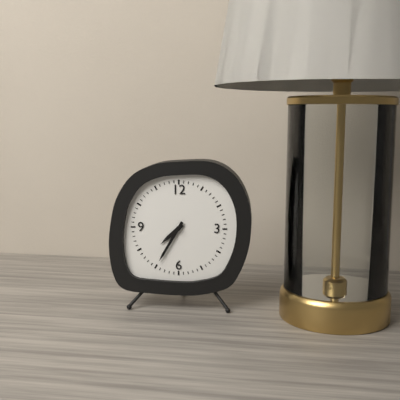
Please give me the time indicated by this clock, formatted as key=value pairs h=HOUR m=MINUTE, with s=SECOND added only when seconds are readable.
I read h=7 m=35
